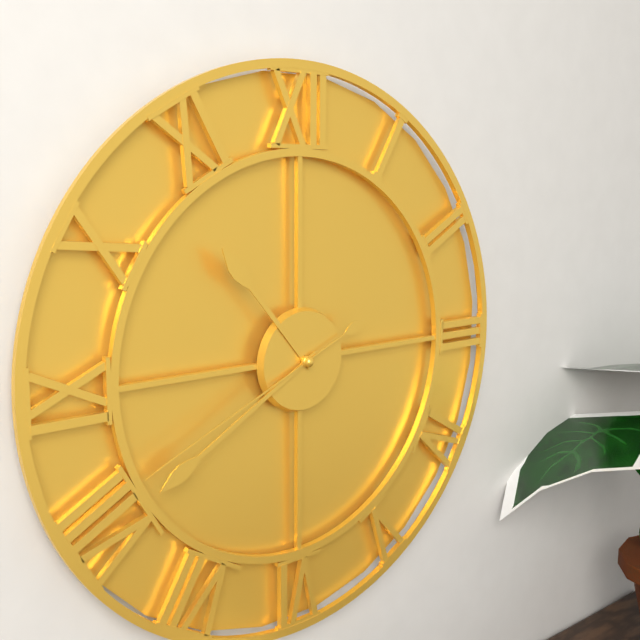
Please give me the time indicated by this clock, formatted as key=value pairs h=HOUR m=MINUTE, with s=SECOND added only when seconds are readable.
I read h=10 m=40 s=41
